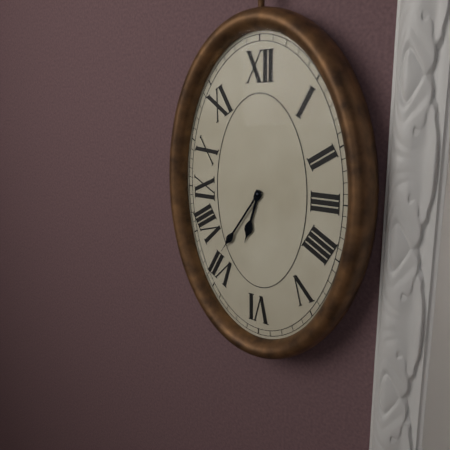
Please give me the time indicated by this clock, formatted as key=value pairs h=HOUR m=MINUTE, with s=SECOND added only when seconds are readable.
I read h=6 m=36
